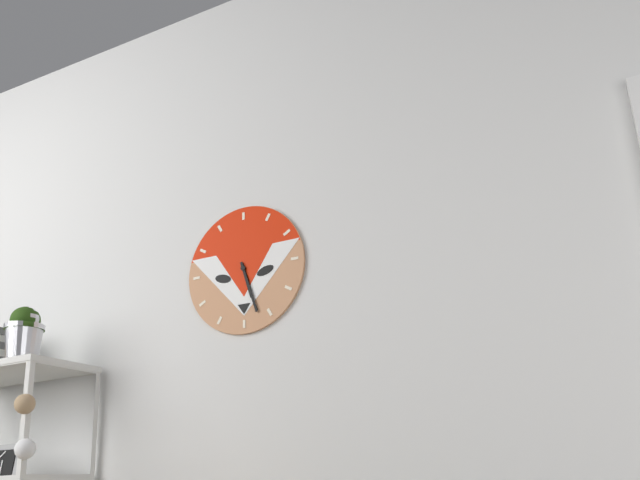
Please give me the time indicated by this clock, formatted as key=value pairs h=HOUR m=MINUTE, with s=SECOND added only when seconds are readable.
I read h=5 m=27
